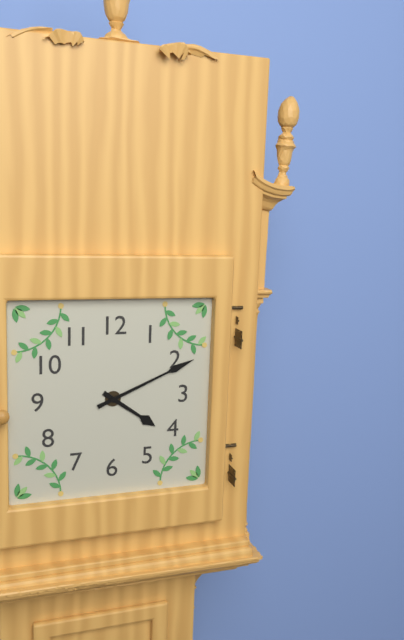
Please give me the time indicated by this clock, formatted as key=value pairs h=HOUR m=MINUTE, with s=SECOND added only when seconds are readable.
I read h=4 m=11
